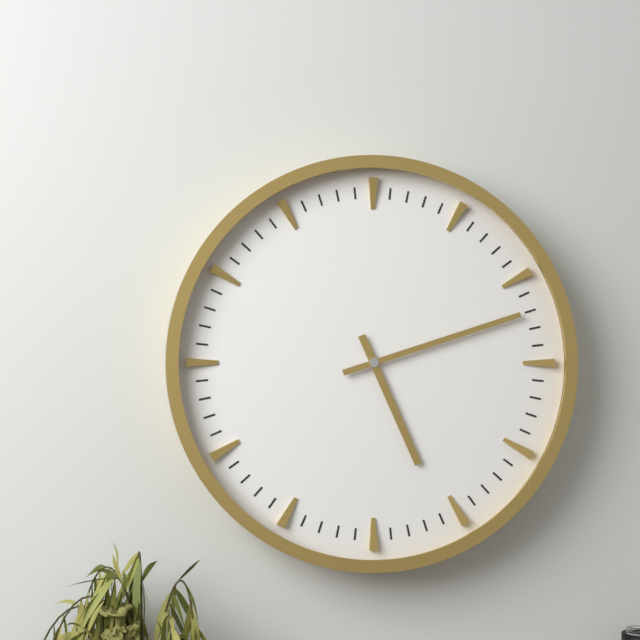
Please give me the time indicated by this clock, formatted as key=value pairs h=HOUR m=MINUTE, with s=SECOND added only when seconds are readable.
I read h=5 m=12
